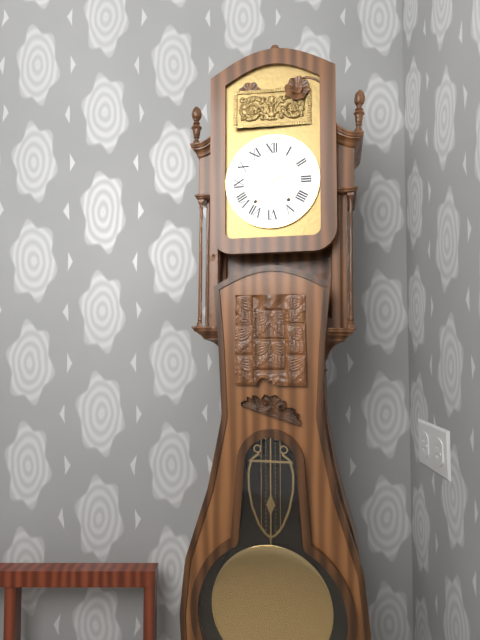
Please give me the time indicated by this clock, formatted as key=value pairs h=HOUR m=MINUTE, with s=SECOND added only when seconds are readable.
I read h=1 m=57
